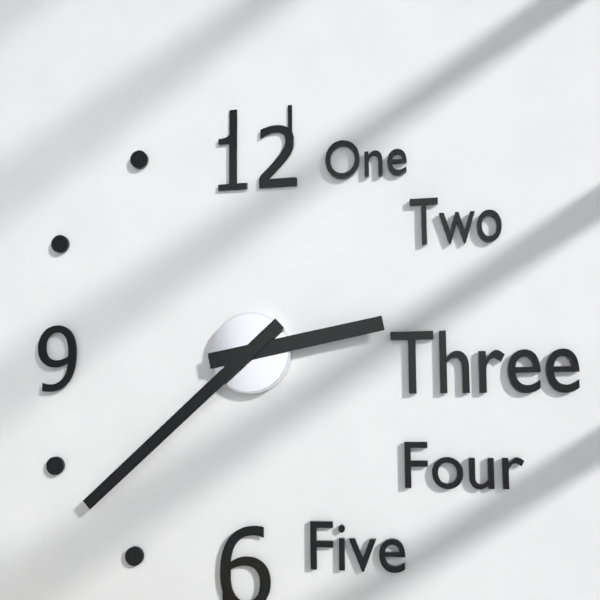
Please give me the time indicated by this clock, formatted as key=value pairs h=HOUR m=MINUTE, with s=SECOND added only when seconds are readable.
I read h=2 m=38
